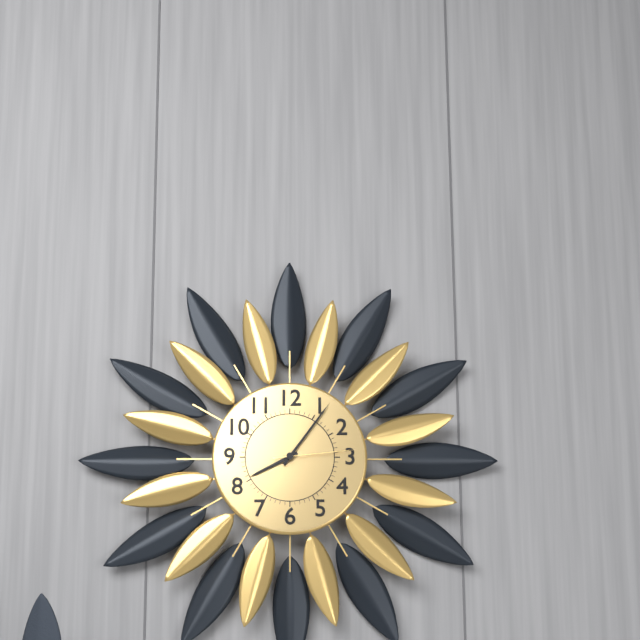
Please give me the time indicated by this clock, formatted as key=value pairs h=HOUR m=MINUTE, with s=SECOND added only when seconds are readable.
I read h=8 m=6 s=14
